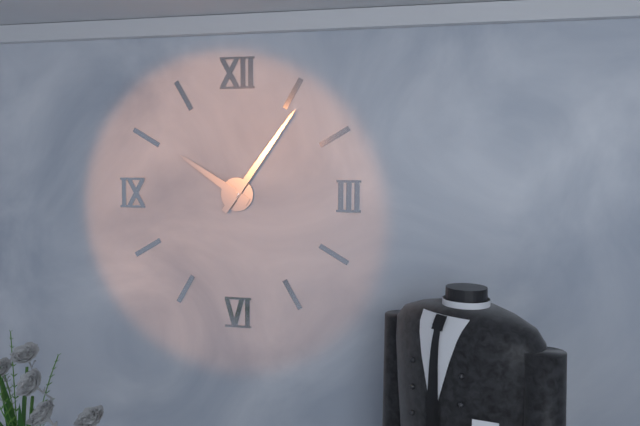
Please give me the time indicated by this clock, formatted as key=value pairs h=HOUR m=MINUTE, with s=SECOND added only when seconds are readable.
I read h=10 m=6
